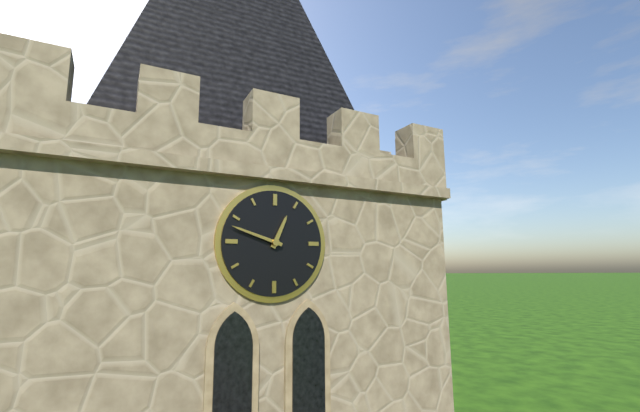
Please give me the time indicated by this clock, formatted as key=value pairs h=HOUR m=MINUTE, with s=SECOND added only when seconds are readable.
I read h=12 m=48
